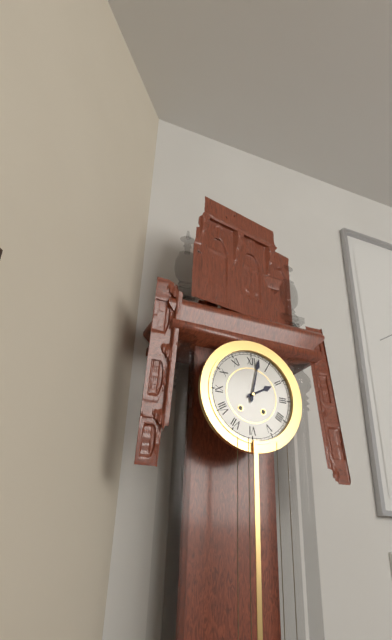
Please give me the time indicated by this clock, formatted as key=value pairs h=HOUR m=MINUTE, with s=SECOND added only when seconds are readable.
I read h=2 m=2
